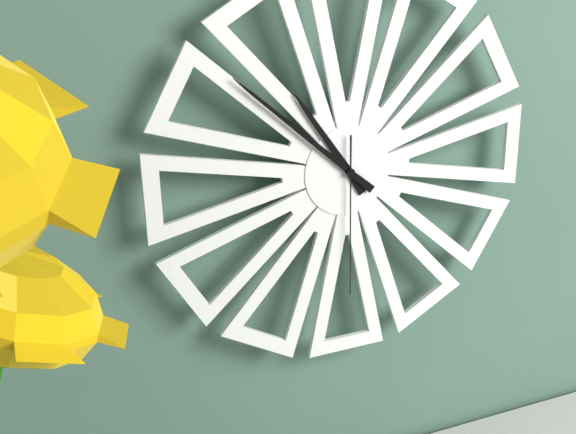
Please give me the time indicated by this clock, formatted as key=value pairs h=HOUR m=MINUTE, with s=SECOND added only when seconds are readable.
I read h=10 m=52 s=30
